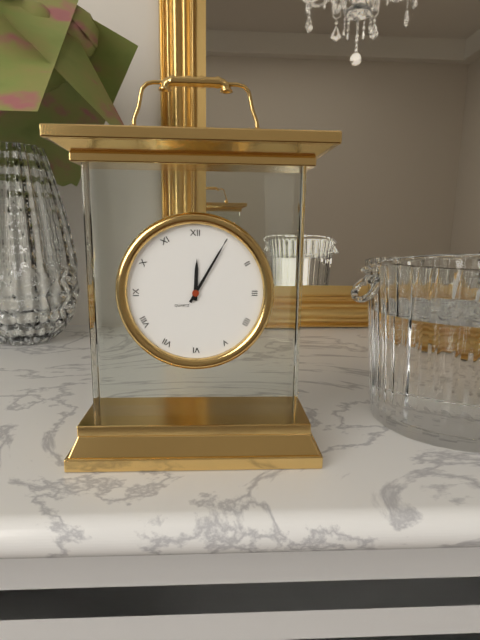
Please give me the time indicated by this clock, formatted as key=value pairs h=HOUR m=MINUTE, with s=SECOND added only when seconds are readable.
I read h=12 m=5
